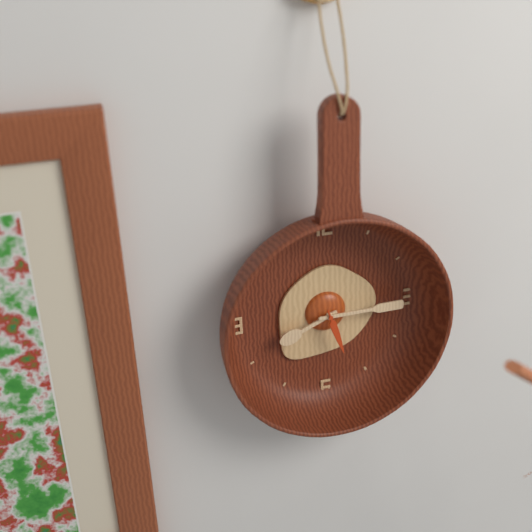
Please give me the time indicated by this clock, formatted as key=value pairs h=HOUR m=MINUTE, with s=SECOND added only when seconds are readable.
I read h=8 m=15
